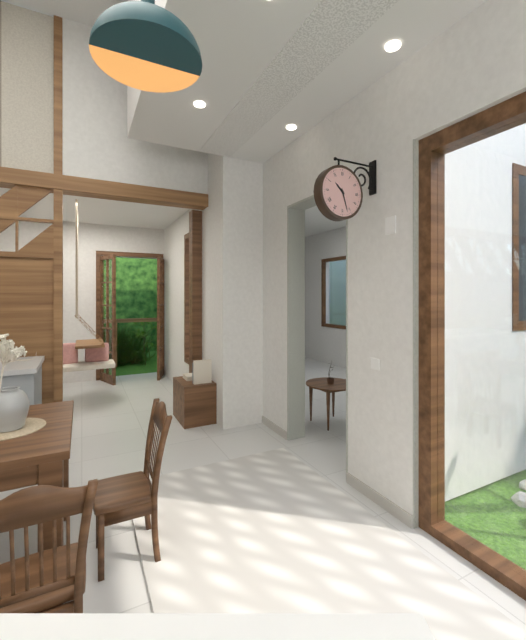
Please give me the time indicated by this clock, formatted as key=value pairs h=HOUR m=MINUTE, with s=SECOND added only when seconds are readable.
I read h=10 m=27
